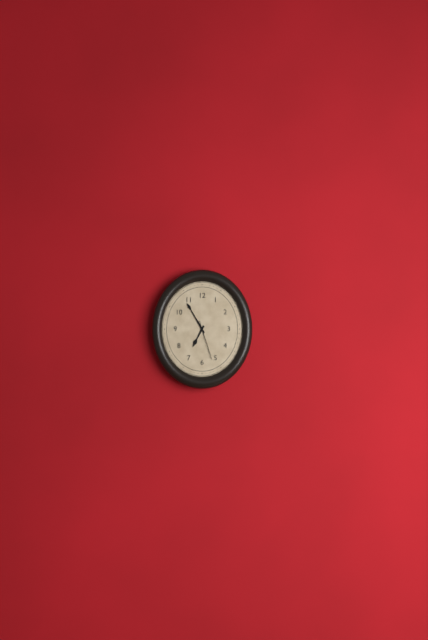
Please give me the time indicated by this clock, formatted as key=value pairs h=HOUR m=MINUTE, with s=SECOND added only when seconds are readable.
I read h=6 m=55
